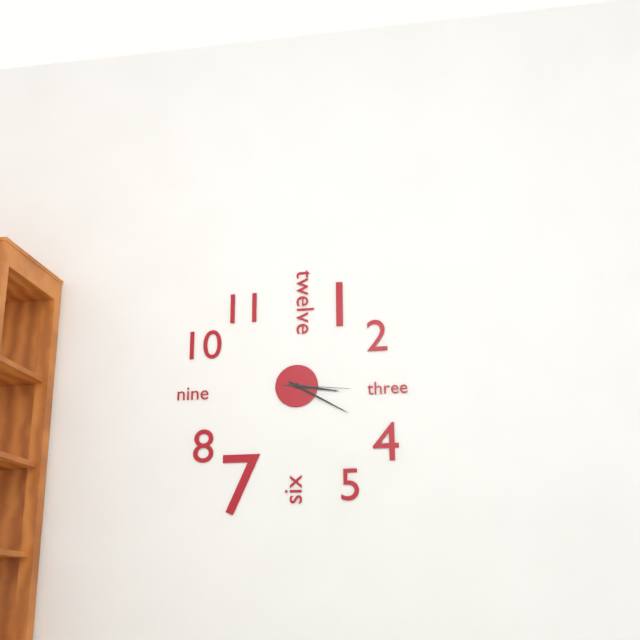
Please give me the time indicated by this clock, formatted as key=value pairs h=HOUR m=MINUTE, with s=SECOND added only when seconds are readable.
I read h=3 m=20 s=16
